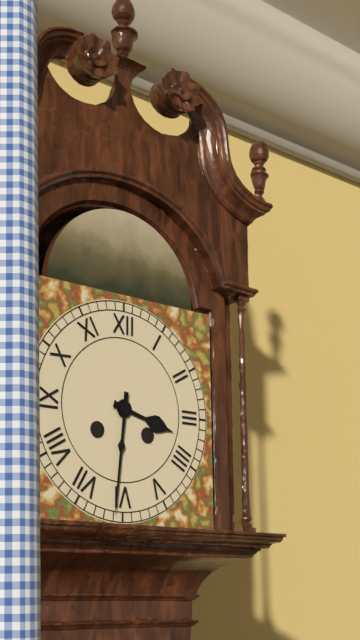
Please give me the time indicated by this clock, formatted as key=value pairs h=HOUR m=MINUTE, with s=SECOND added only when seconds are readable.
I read h=3 m=31
